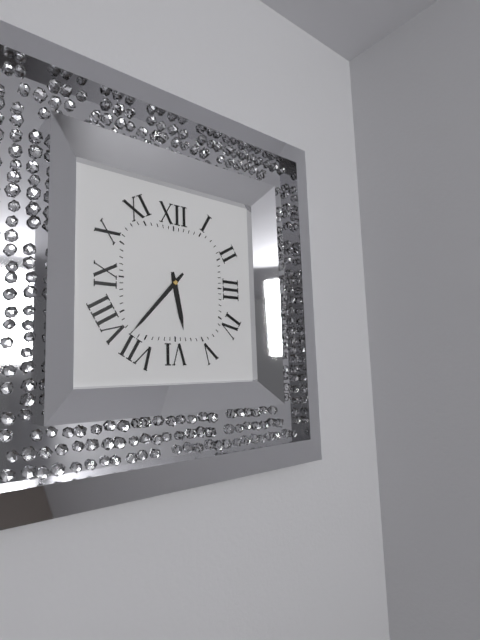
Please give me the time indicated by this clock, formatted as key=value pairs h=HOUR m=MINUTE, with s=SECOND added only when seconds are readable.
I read h=5 m=37
